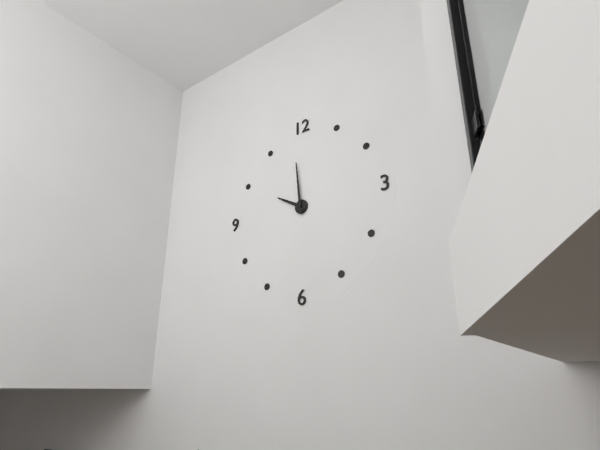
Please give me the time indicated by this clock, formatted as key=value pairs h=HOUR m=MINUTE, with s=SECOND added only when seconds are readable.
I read h=9 m=59
